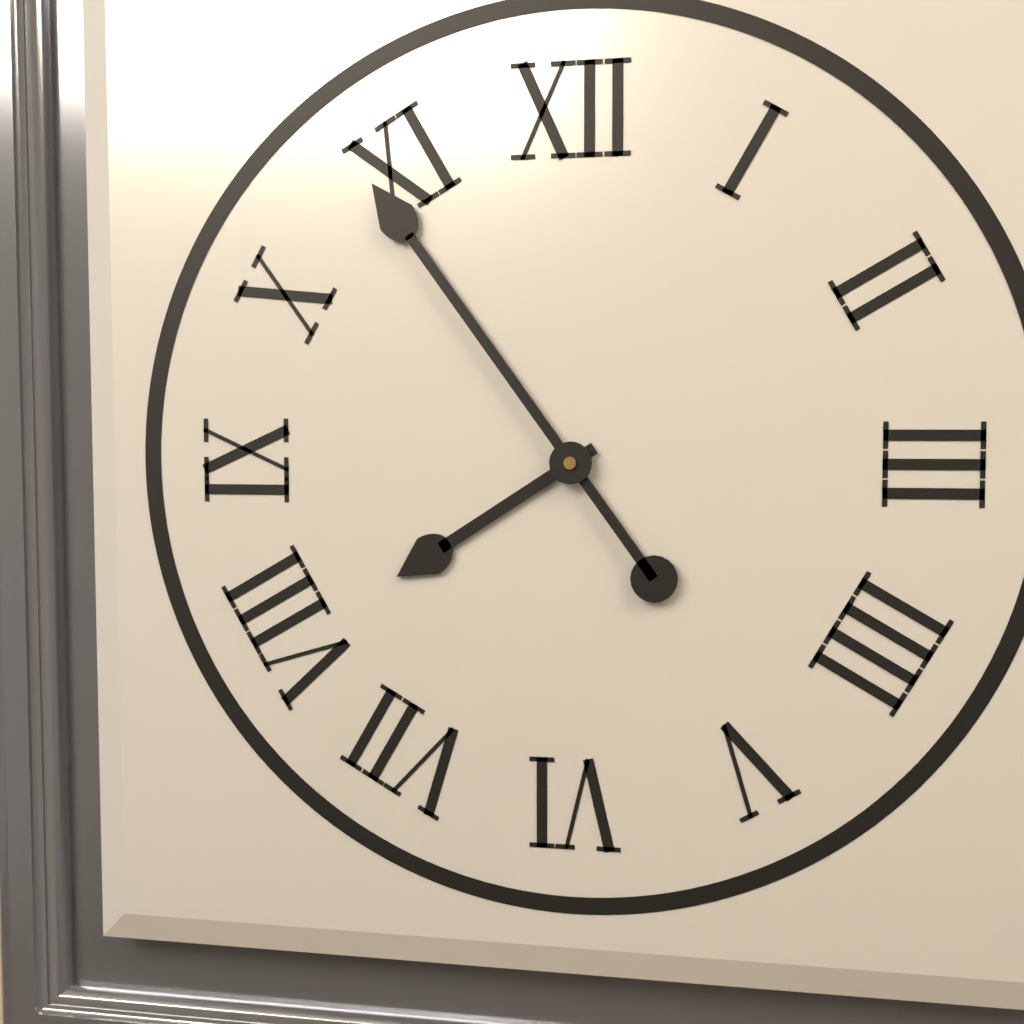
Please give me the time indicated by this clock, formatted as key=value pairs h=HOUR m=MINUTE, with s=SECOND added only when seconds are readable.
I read h=7 m=54
